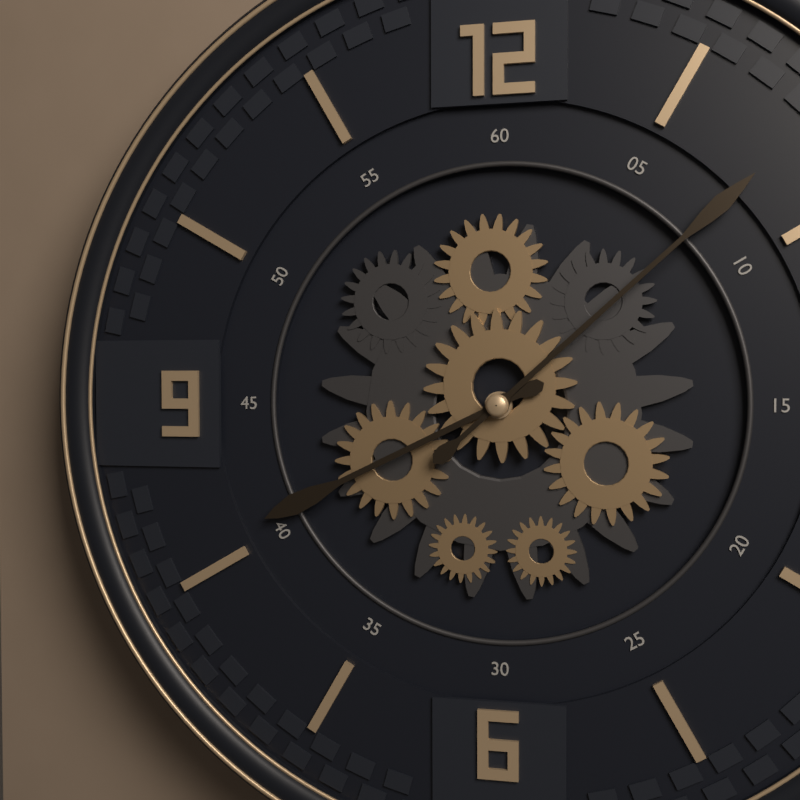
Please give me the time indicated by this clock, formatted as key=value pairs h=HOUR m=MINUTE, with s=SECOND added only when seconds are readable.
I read h=8 m=8
